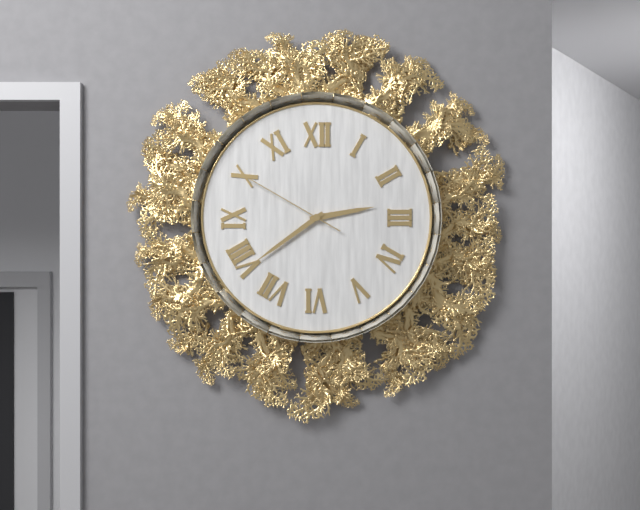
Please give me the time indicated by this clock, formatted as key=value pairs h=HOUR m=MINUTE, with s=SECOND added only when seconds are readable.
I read h=2 m=39 s=50
